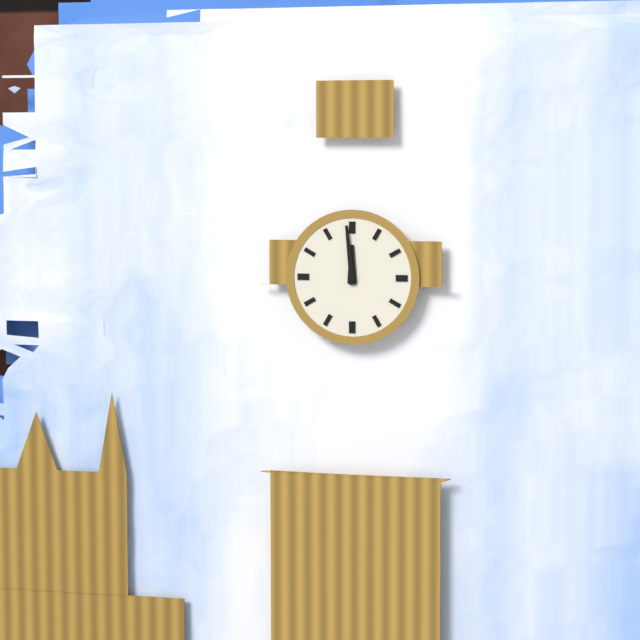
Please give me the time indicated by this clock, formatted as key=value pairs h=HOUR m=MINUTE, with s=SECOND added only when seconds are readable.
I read h=11 m=59
